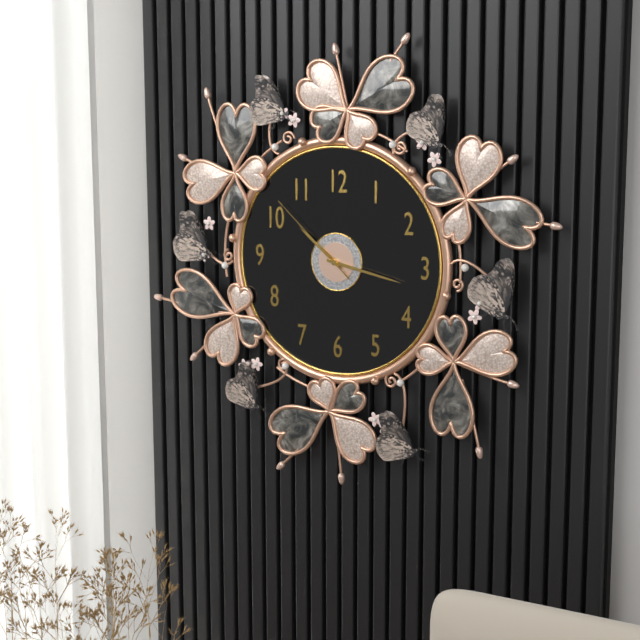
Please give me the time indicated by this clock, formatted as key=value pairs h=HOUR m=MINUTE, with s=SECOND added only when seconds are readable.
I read h=10 m=17 s=52
